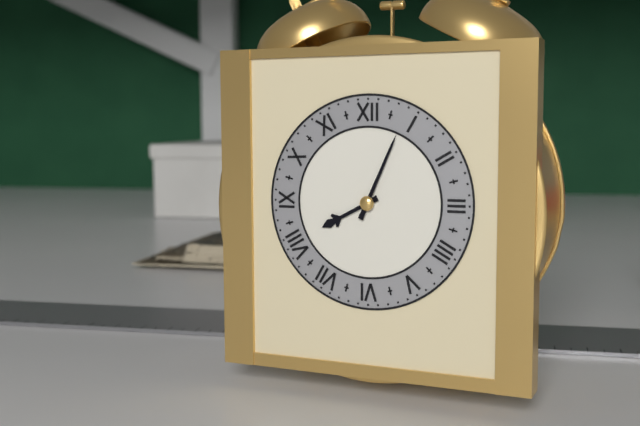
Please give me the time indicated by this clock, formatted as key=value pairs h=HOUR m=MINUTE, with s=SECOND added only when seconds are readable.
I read h=8 m=4
